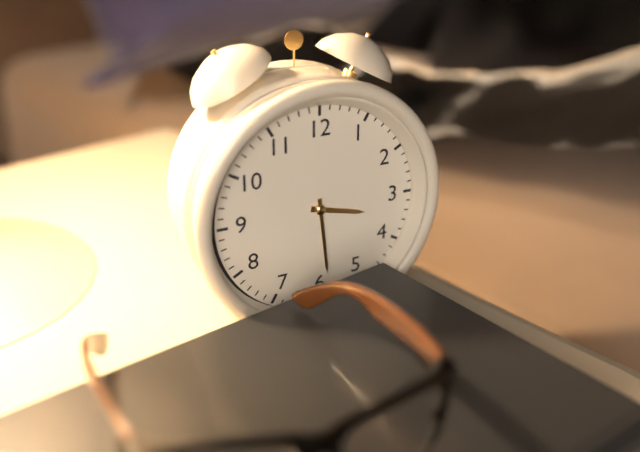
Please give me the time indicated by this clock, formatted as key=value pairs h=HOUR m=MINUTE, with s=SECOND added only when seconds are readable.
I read h=3 m=29
